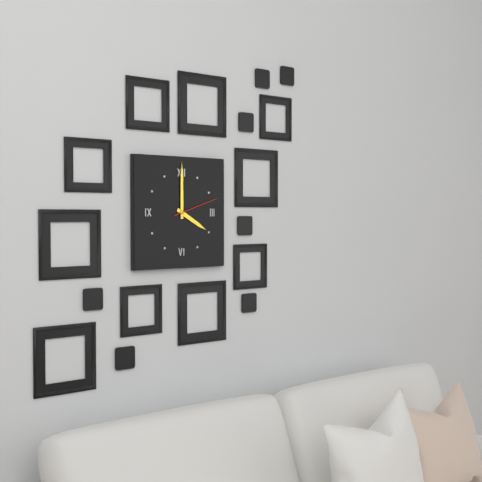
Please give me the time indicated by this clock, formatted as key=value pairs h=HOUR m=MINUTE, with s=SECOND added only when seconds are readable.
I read h=4 m=0
